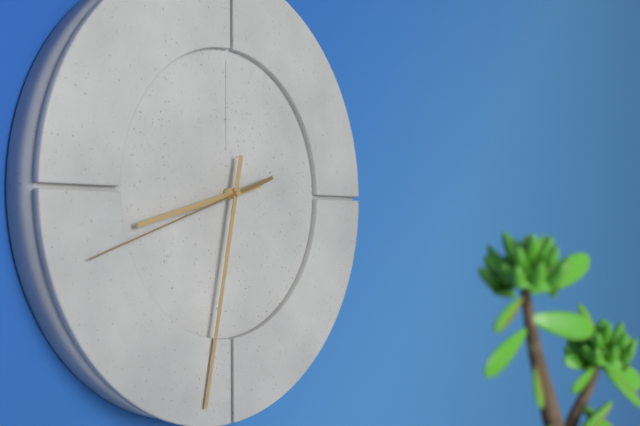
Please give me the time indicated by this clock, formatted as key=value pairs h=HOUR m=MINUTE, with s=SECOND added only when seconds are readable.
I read h=8 m=32 s=42
